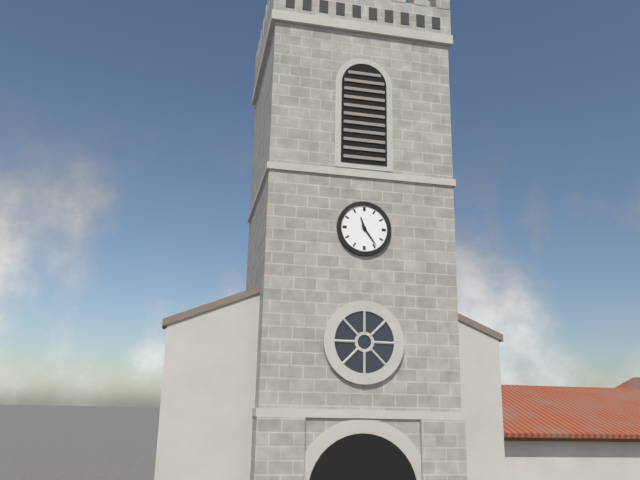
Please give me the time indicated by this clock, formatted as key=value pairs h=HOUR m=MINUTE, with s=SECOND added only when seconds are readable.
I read h=11 m=24
